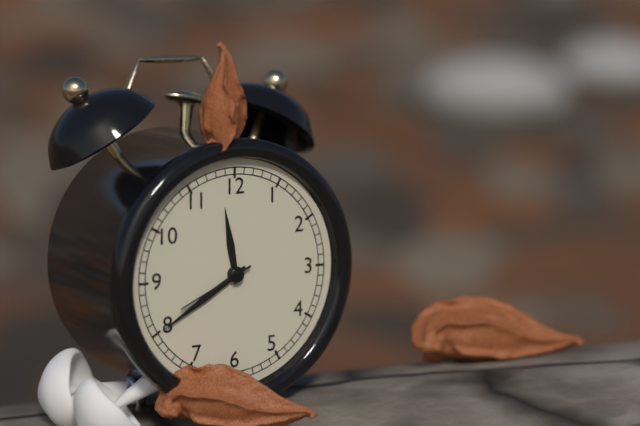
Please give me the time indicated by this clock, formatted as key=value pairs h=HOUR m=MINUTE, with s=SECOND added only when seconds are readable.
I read h=11 m=40 s=41
